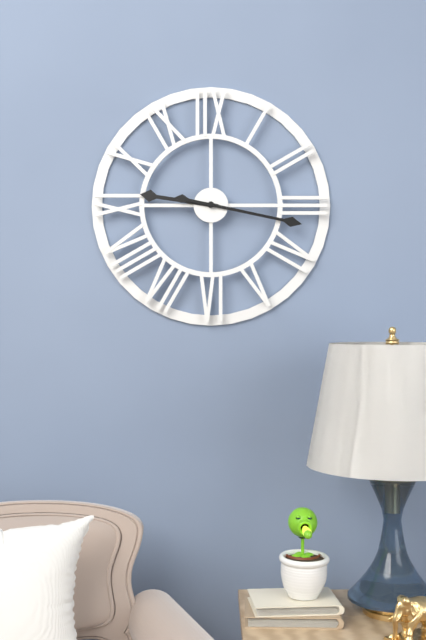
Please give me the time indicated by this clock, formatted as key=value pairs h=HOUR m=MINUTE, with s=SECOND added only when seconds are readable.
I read h=9 m=17
